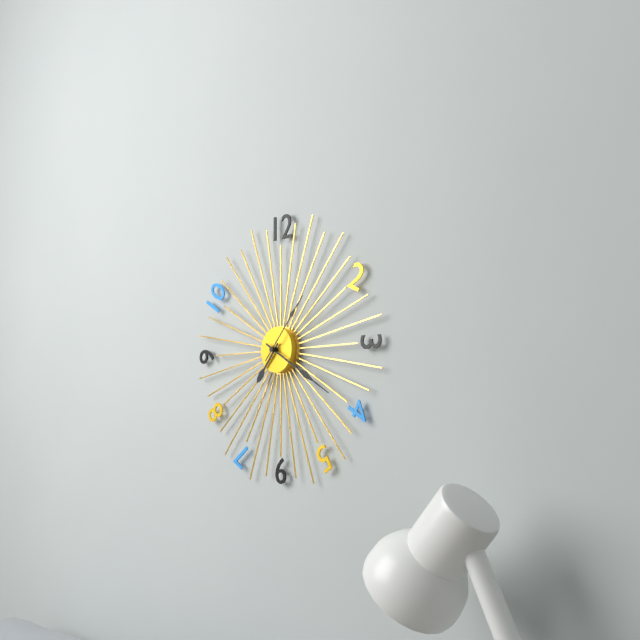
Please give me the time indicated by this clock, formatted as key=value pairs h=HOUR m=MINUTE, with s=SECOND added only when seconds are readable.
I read h=7 m=20 s=7
